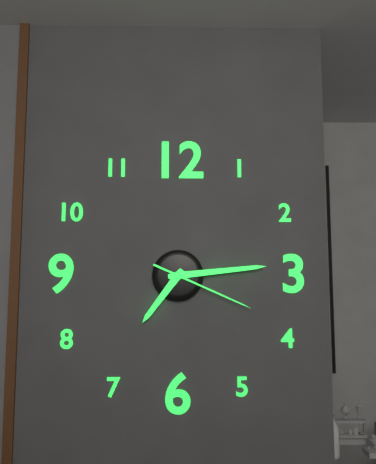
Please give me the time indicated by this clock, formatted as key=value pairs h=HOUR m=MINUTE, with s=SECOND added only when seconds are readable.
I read h=7 m=14 s=19
